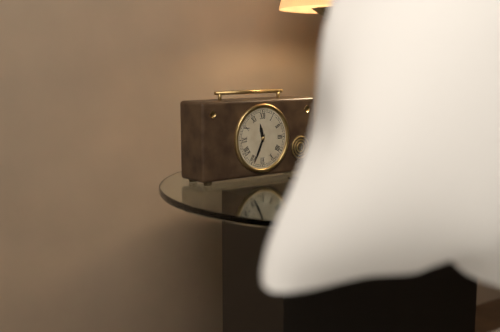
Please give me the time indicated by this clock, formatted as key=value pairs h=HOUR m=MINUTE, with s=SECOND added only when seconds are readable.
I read h=11 m=34
